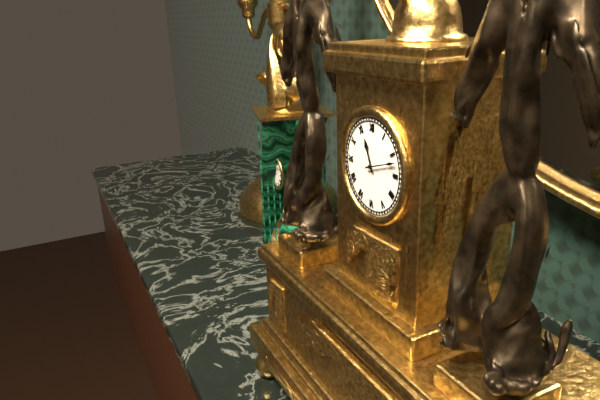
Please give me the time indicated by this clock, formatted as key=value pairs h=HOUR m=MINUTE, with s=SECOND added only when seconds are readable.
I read h=11 m=12
